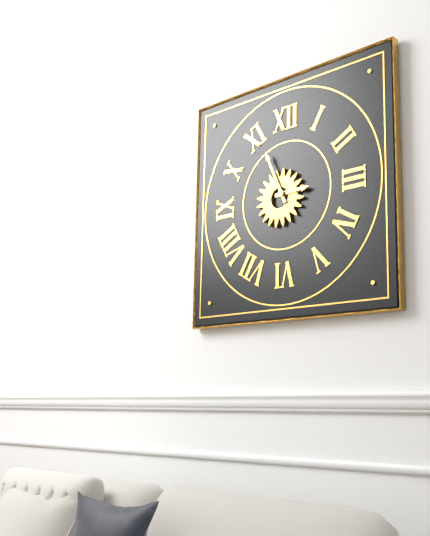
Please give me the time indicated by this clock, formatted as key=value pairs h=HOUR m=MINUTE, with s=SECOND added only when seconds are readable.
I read h=2 m=56
